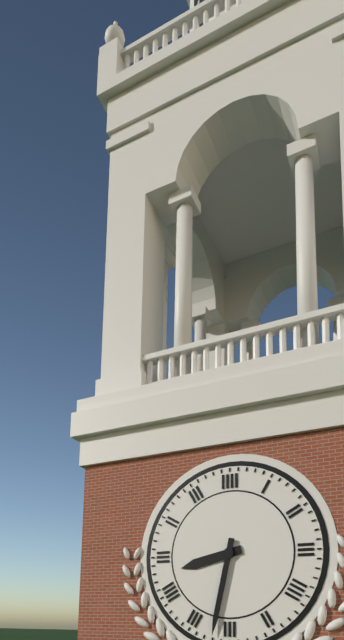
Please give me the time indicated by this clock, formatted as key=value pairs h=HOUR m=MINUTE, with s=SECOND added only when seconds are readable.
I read h=8 m=32
